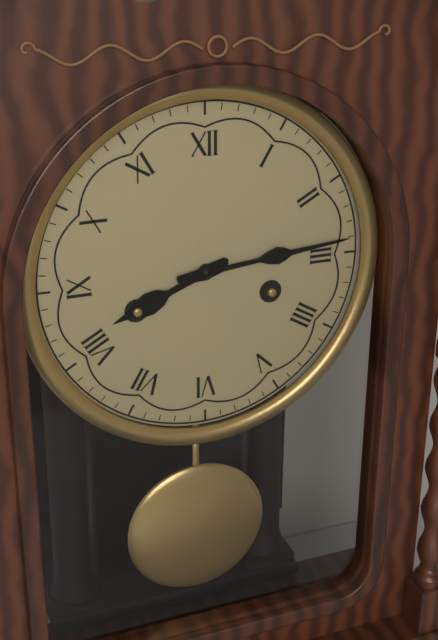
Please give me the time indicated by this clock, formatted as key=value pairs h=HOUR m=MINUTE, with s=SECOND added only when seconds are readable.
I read h=8 m=14
